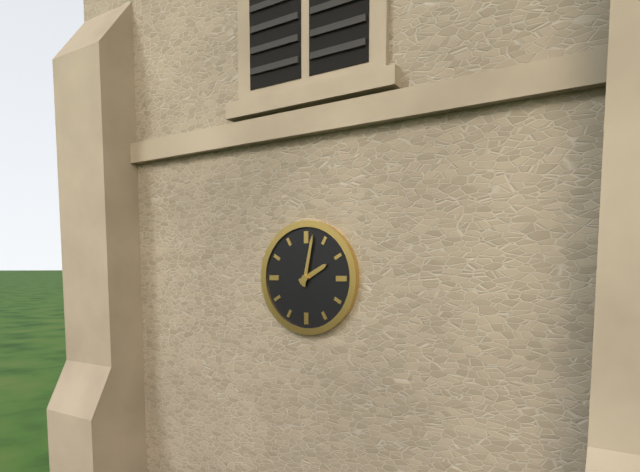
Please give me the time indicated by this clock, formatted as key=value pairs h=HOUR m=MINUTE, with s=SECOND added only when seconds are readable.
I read h=2 m=2
